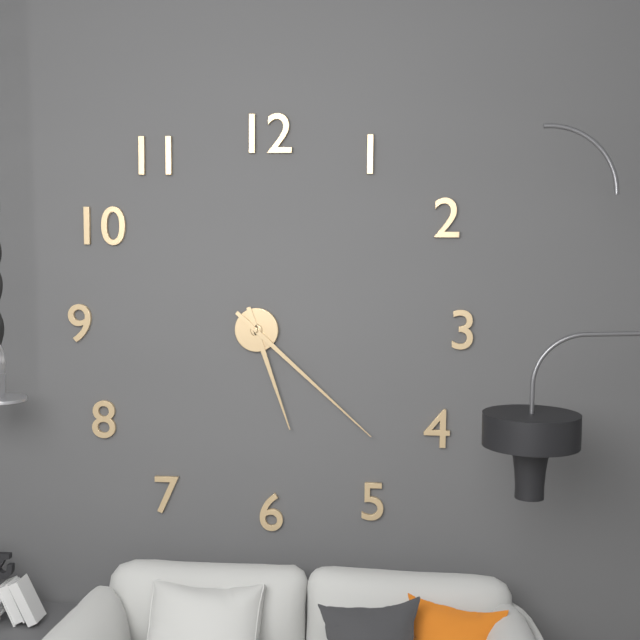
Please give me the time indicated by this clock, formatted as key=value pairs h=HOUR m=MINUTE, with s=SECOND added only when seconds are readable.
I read h=5 m=22
